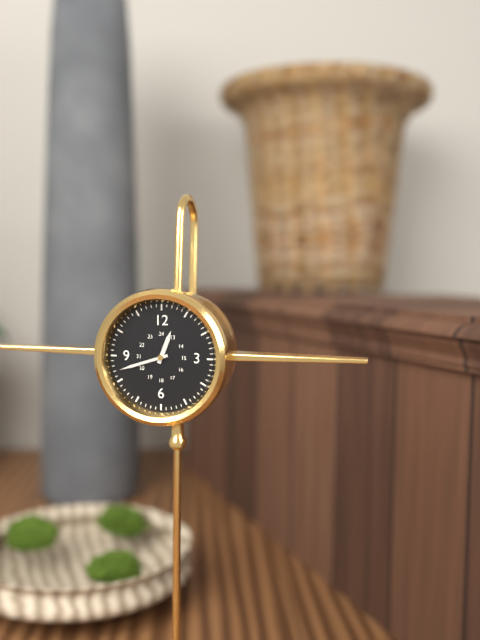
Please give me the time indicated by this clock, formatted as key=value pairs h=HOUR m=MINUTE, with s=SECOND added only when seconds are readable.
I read h=12 m=42
